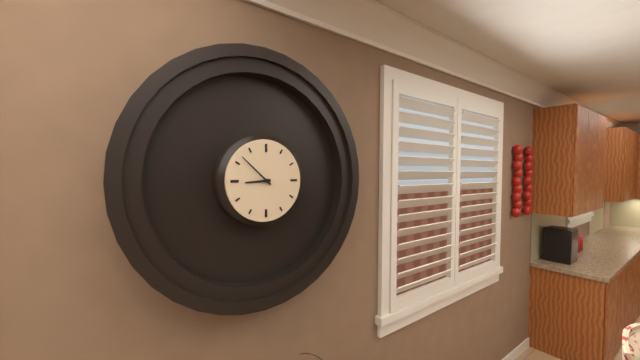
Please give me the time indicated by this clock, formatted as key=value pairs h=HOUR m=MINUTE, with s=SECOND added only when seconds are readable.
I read h=8 m=52
